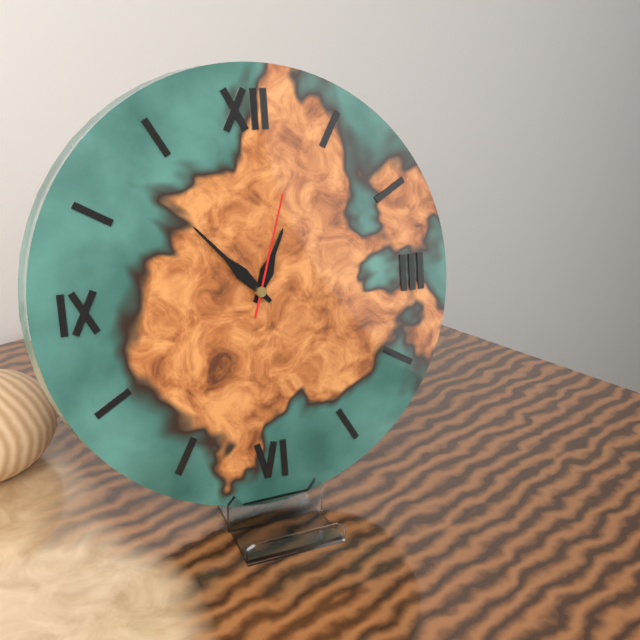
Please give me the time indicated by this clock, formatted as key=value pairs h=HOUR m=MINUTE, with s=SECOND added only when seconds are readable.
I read h=12 m=53 s=3
